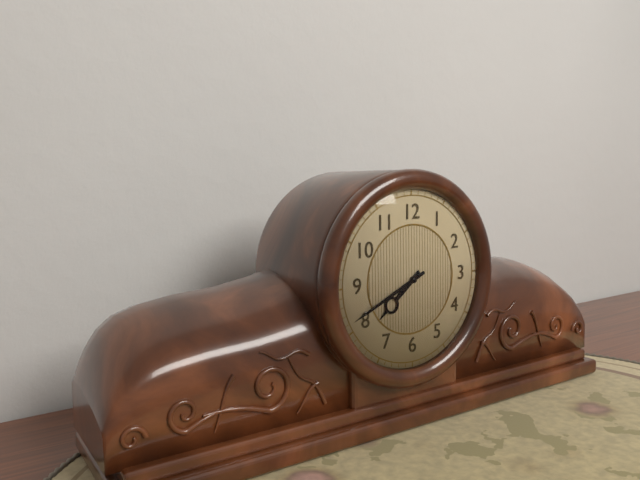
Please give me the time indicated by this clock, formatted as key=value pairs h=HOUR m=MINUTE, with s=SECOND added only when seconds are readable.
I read h=7 m=41
